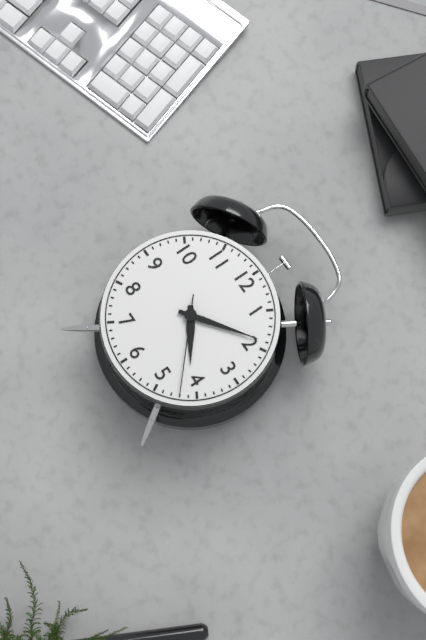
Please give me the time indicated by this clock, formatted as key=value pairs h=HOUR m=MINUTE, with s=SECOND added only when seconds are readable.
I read h=4 m=9 s=22
